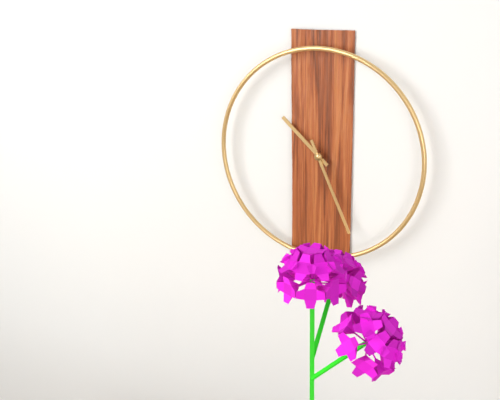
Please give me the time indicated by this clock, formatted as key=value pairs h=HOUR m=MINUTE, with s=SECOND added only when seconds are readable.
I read h=10 m=26
